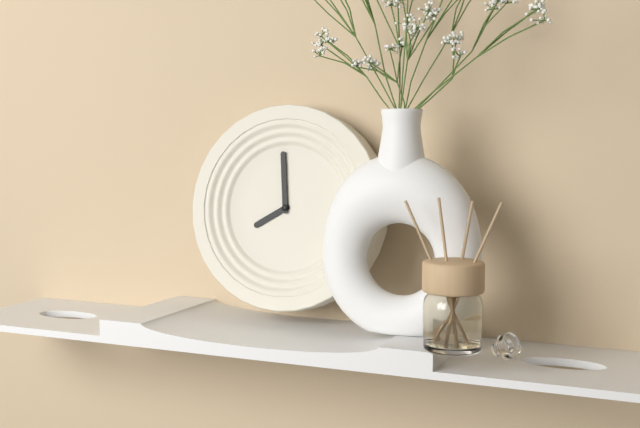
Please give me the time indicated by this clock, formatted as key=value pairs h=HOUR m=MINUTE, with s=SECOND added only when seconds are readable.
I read h=7 m=59
